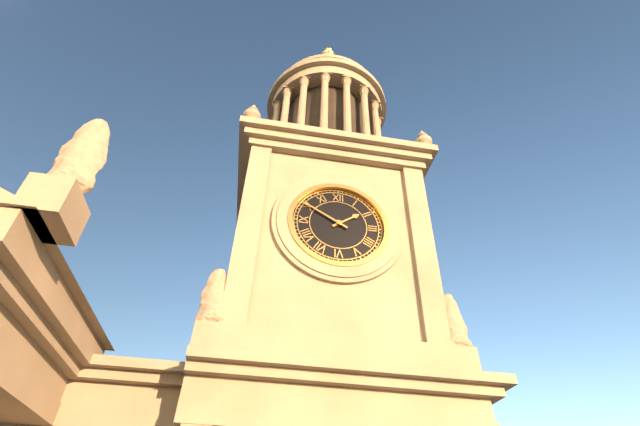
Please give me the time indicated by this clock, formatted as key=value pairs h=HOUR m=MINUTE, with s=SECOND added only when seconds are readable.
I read h=1 m=50
